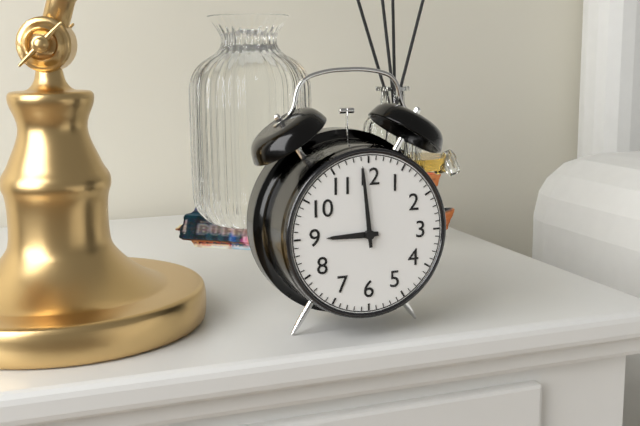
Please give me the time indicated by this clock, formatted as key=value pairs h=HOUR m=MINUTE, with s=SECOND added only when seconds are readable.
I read h=8 m=59
